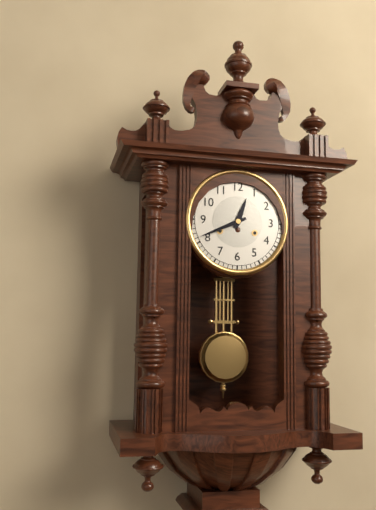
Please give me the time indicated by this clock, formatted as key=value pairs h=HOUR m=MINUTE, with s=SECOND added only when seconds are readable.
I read h=12 m=41
